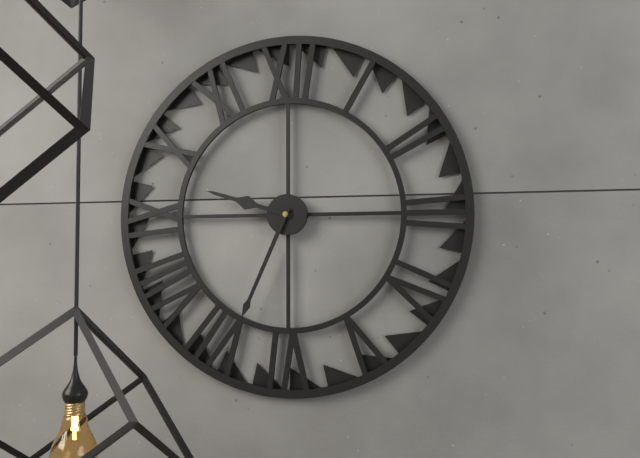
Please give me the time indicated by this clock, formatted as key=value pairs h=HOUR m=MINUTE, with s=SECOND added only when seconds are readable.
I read h=9 m=34
